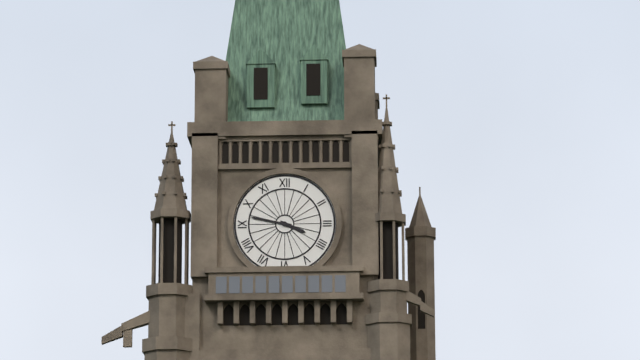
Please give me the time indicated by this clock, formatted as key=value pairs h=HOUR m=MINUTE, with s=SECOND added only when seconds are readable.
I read h=3 m=47
